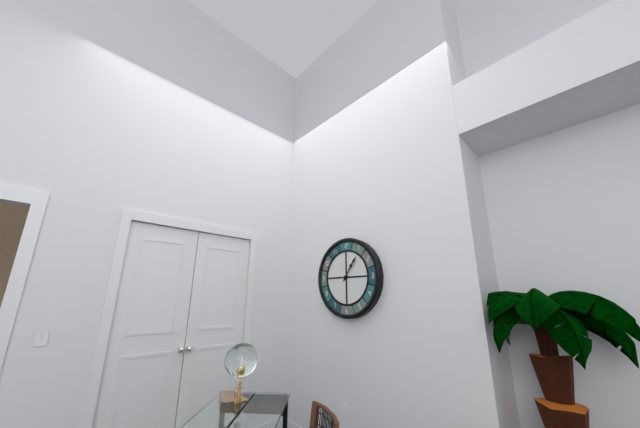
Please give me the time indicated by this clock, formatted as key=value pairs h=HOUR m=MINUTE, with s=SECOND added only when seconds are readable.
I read h=1 m=6
